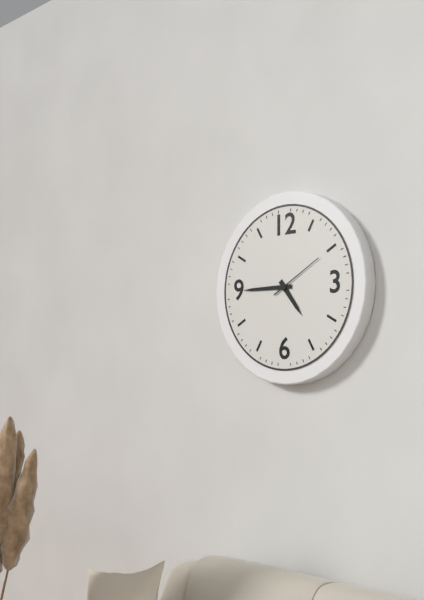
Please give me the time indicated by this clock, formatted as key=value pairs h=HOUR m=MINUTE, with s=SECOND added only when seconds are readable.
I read h=4 m=45 s=10
